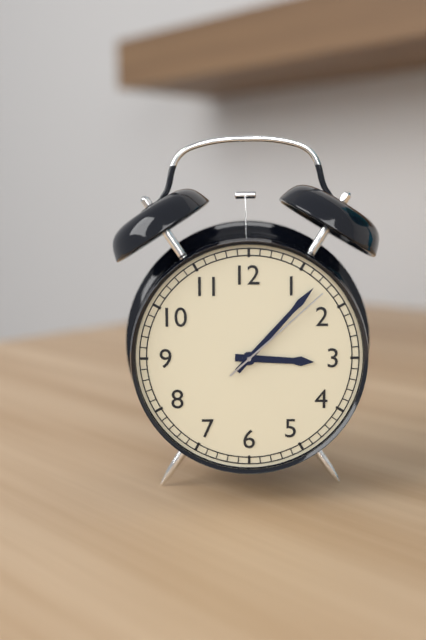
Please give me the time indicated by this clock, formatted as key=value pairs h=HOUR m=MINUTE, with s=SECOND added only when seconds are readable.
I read h=3 m=7 s=8
